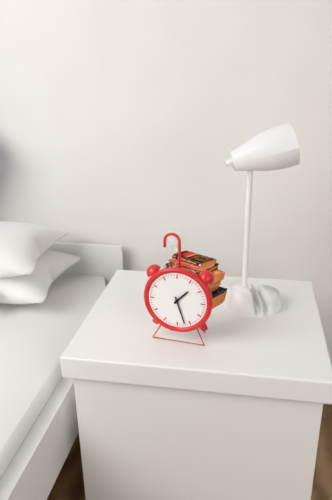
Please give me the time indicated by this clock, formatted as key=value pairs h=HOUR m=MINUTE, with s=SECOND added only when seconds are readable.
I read h=1 m=27
